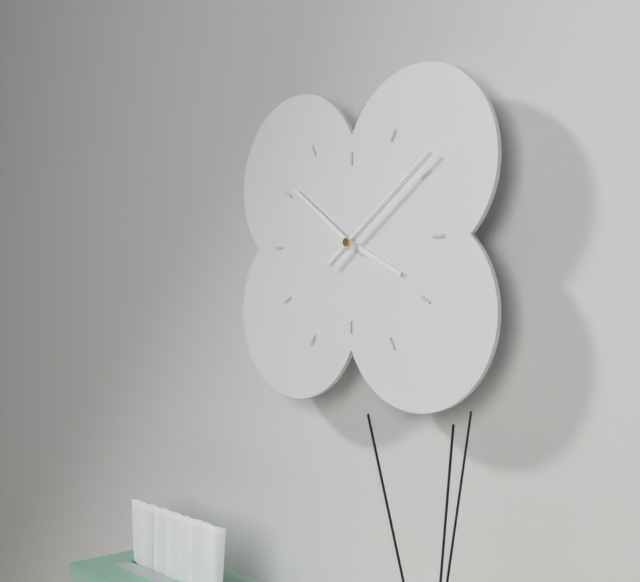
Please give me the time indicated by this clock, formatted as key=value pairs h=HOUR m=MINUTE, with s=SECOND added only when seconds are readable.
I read h=3 m=51 s=9
